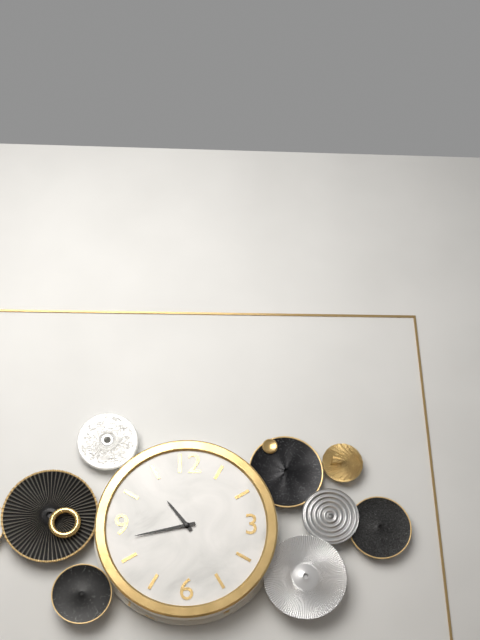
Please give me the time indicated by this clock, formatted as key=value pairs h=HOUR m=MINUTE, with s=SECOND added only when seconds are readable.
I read h=10 m=43
